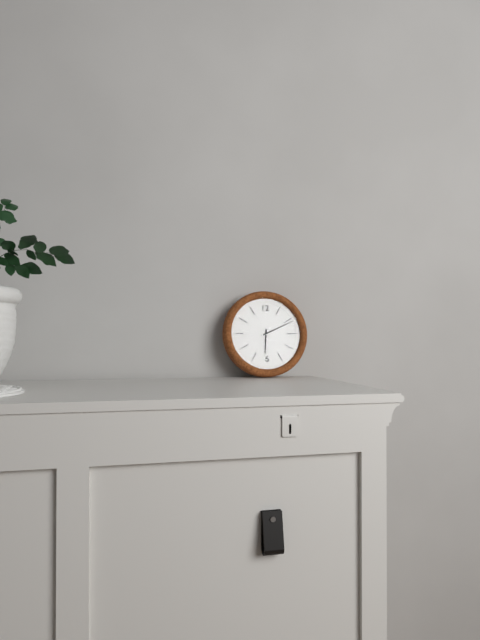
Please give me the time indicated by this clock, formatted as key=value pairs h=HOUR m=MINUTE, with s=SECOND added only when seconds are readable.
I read h=6 m=11
